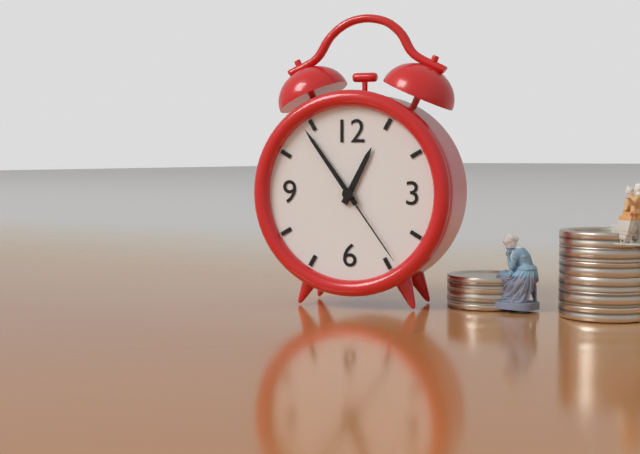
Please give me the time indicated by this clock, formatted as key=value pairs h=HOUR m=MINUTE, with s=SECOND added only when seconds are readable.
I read h=12 m=54 s=24
